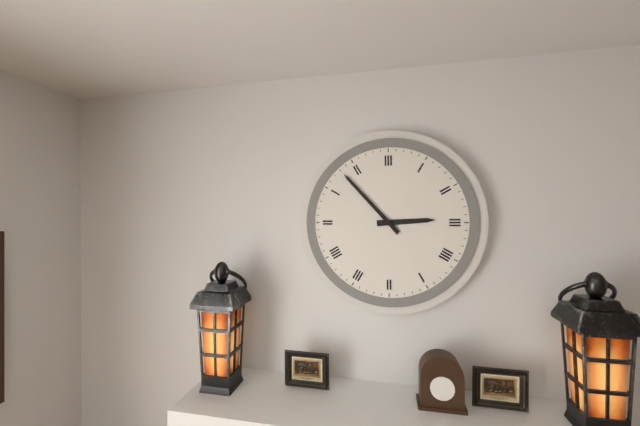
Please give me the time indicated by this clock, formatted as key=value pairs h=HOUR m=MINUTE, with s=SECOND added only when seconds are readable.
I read h=2 m=53
